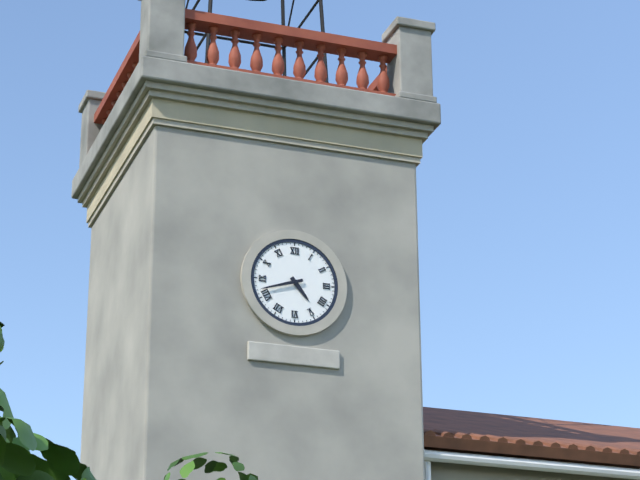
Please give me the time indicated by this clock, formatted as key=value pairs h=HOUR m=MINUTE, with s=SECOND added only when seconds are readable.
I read h=4 m=42
